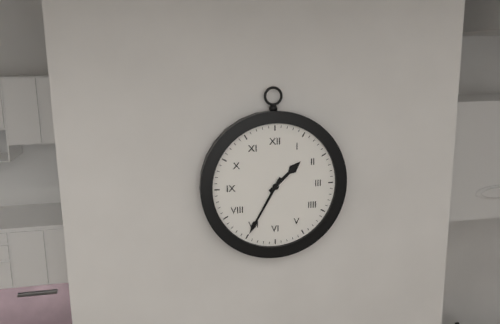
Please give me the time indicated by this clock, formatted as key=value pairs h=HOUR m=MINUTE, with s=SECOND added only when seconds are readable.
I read h=1 m=35
